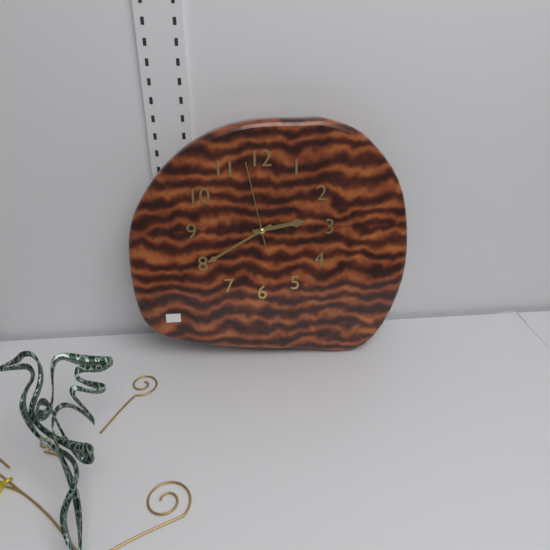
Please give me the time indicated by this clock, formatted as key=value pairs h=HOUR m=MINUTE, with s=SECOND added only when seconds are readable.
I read h=2 m=40 s=58
